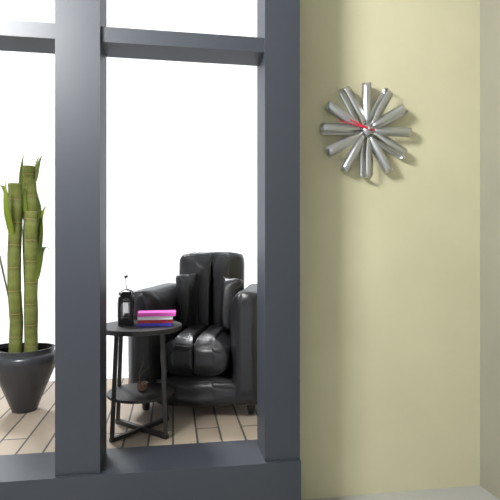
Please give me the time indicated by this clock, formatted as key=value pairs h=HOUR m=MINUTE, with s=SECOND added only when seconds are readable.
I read h=9 m=47
